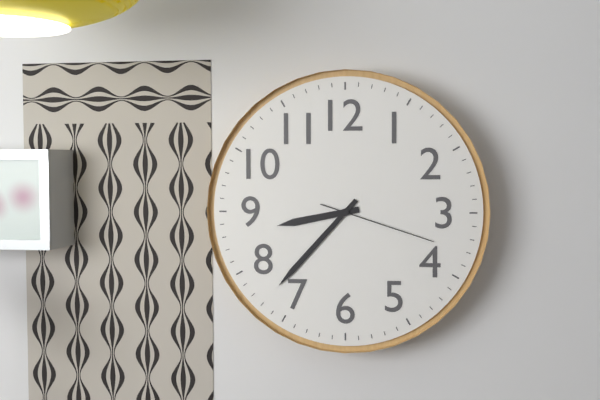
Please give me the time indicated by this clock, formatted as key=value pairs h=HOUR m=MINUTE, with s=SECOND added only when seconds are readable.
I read h=8 m=37 s=18
